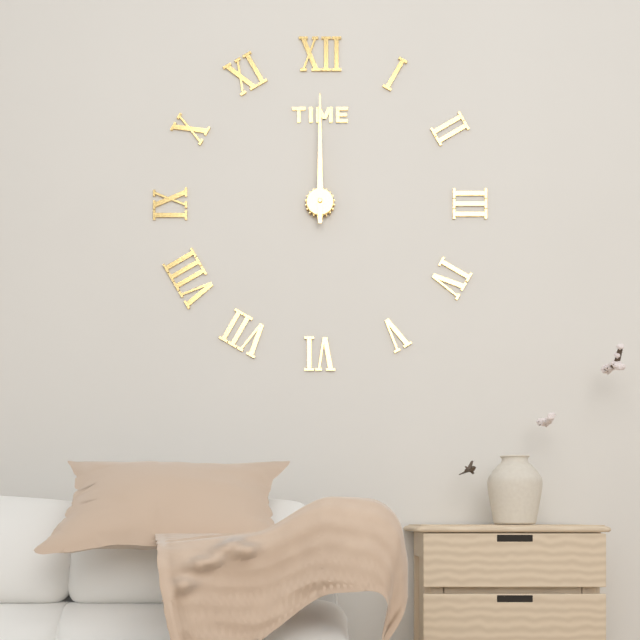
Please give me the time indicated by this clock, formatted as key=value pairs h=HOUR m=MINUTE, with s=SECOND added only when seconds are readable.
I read h=12 m=0
